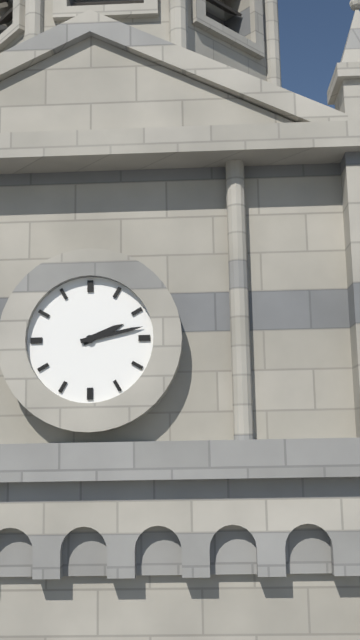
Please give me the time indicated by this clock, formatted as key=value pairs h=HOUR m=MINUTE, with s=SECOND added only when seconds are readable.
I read h=2 m=13
